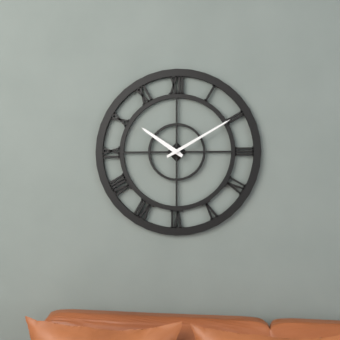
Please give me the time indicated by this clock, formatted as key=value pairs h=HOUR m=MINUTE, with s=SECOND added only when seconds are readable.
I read h=10 m=10
